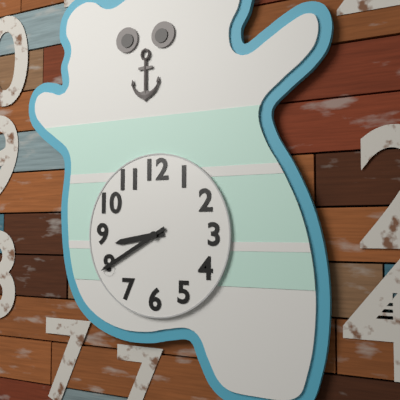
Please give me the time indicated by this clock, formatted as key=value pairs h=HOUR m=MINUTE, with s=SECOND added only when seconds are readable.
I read h=8 m=40
